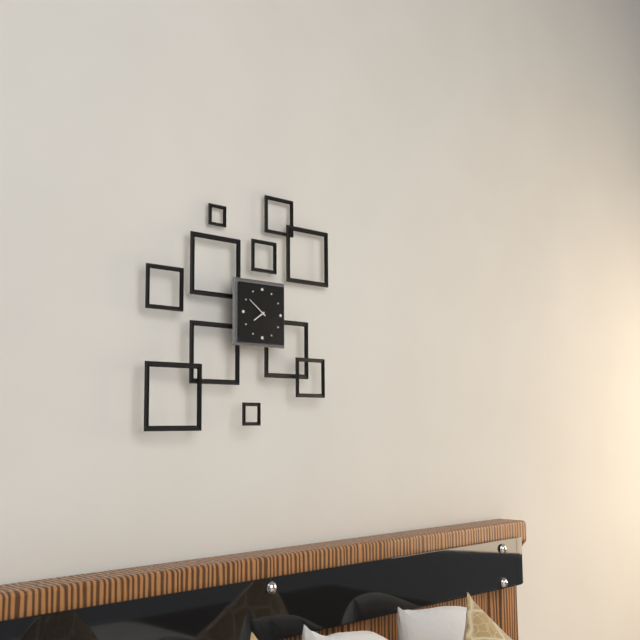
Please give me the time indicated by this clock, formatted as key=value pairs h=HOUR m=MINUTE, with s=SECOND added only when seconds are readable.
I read h=7 m=51
